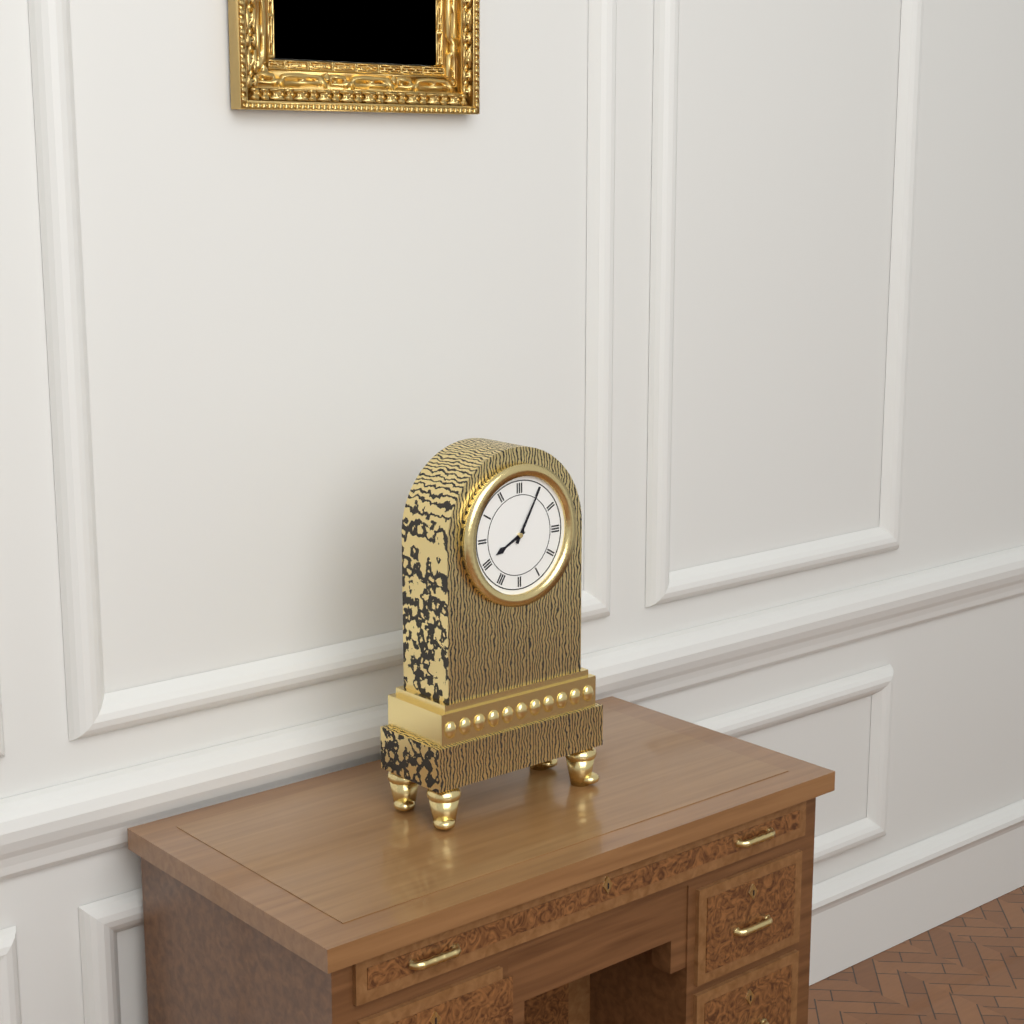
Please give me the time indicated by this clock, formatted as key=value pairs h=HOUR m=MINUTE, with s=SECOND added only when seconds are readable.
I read h=8 m=5
